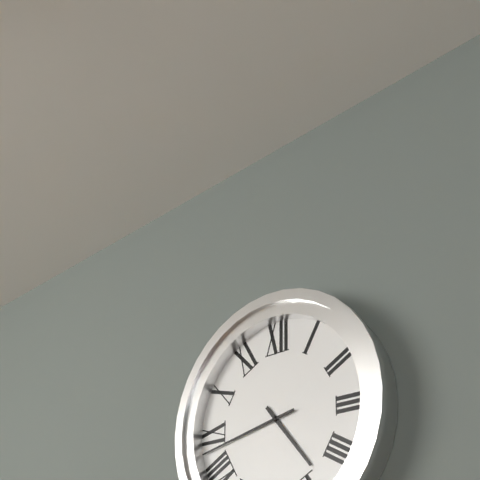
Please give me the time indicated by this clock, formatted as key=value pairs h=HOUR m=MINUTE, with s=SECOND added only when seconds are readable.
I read h=4 m=43
